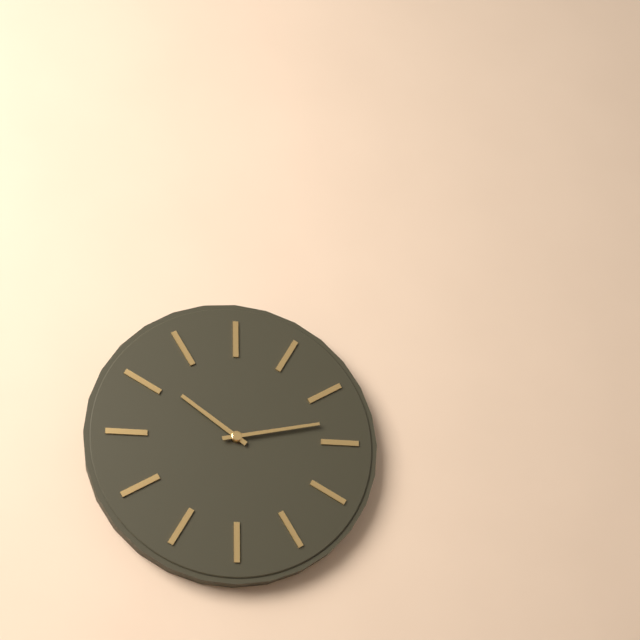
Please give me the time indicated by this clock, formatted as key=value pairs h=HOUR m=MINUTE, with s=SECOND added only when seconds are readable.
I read h=10 m=13
